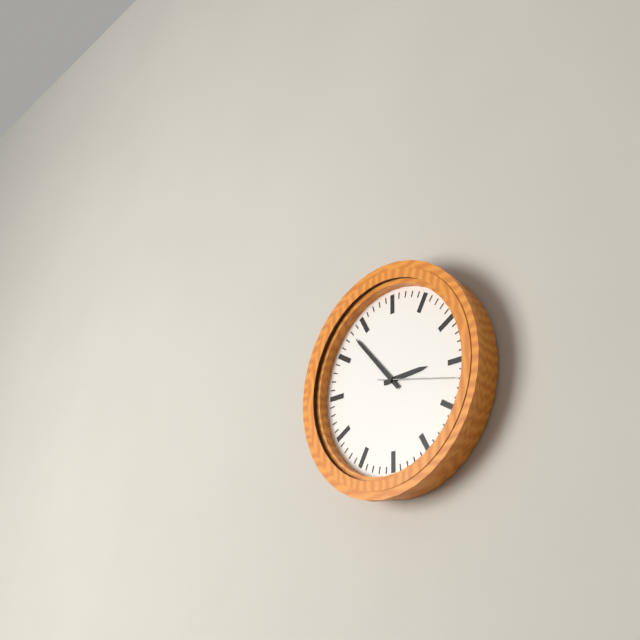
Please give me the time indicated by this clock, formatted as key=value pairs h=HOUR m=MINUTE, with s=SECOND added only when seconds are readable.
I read h=2 m=53 s=17
